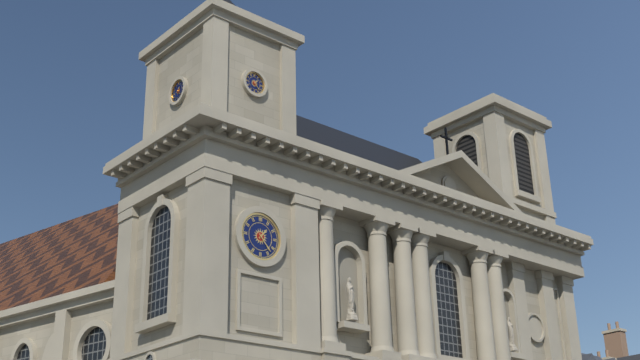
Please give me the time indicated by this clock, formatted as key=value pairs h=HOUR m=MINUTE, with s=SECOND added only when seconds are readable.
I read h=1 m=23
